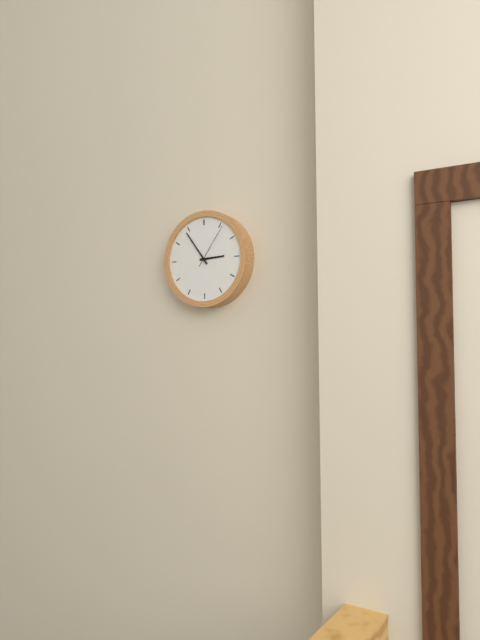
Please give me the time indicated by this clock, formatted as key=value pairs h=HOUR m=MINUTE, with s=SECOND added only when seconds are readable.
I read h=2 m=54
